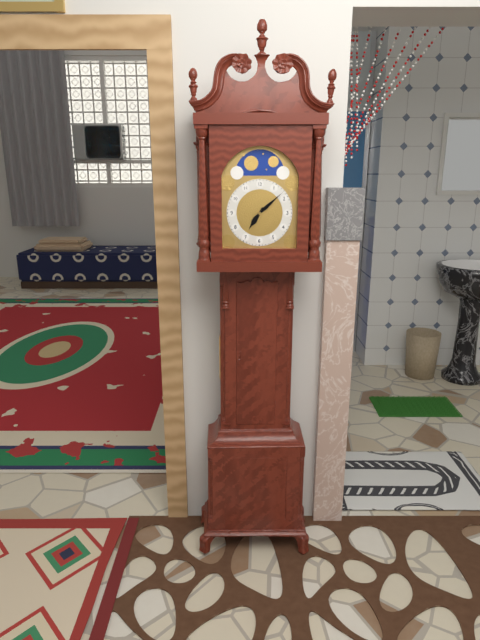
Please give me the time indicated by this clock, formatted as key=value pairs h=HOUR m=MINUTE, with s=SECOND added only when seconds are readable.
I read h=7 m=8
